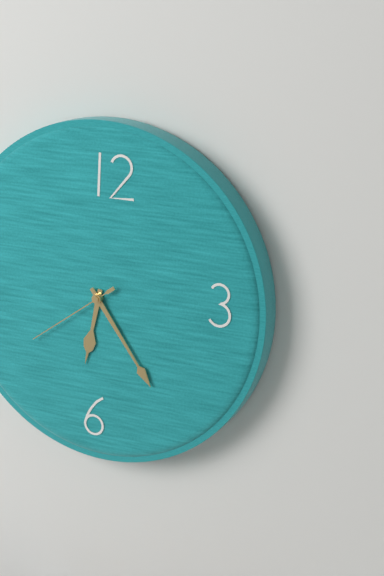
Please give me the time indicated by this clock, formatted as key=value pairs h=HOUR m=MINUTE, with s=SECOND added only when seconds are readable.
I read h=6 m=24 s=39
